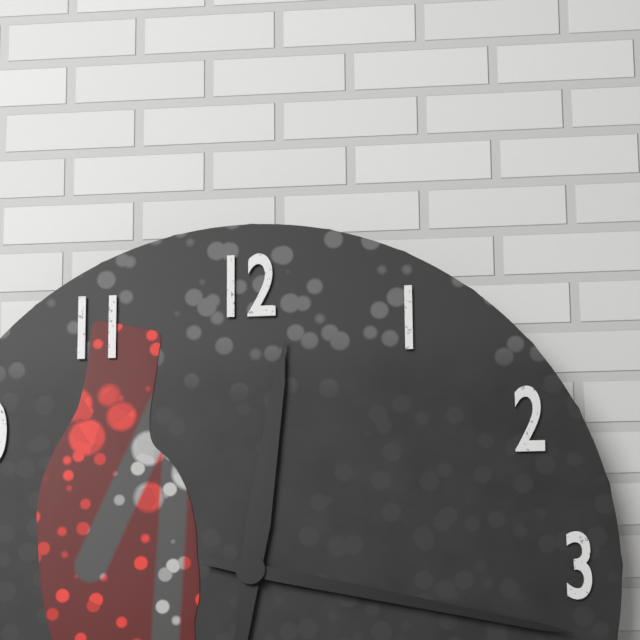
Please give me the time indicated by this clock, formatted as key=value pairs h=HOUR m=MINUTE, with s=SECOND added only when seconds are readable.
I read h=12 m=17
